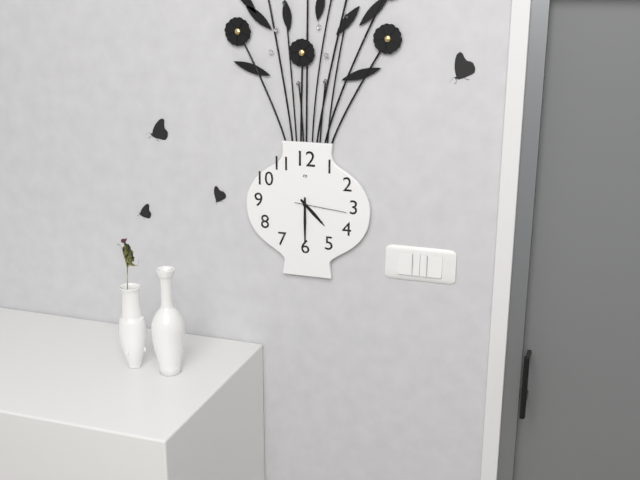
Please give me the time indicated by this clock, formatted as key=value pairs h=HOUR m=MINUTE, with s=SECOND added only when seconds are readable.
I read h=4 m=30 s=16
